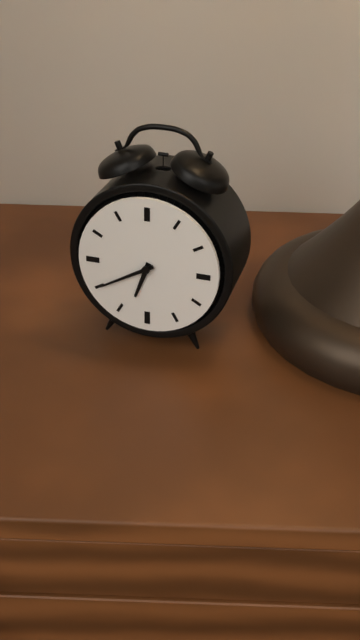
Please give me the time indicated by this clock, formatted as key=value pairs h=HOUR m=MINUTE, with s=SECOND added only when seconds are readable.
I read h=6 m=40
